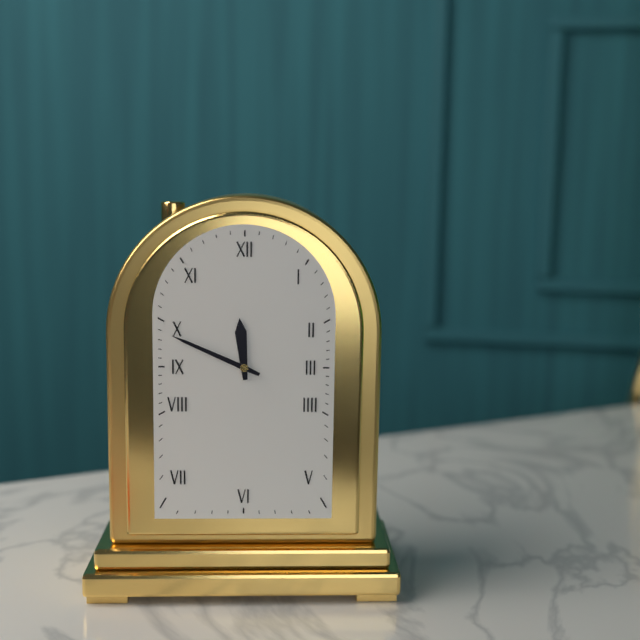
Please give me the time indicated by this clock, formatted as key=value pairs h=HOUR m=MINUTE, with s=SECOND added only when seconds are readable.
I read h=11 m=49
